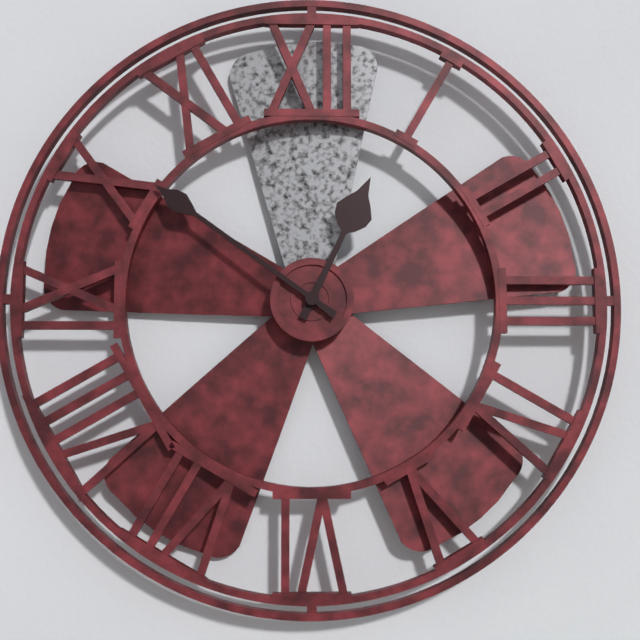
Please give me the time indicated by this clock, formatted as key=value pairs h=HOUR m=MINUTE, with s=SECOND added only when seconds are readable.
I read h=12 m=51
